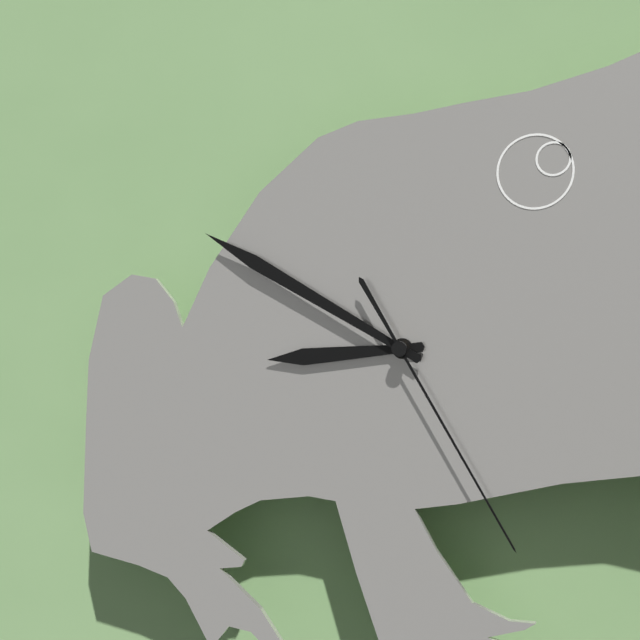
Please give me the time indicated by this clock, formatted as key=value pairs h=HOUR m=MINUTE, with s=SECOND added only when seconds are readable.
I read h=8 m=50 s=25
